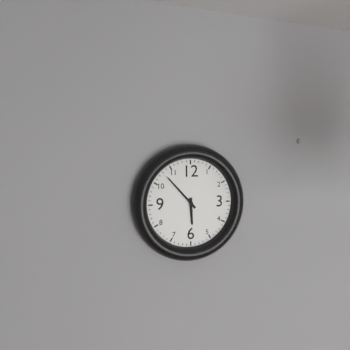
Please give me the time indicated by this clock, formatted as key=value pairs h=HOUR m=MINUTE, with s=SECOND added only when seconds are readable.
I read h=5 m=53
